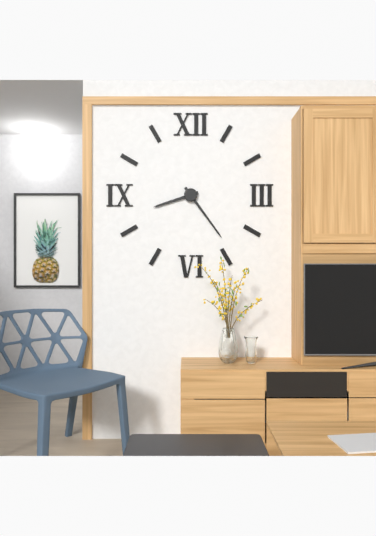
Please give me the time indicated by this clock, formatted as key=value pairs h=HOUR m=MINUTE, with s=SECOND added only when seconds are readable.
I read h=8 m=24
